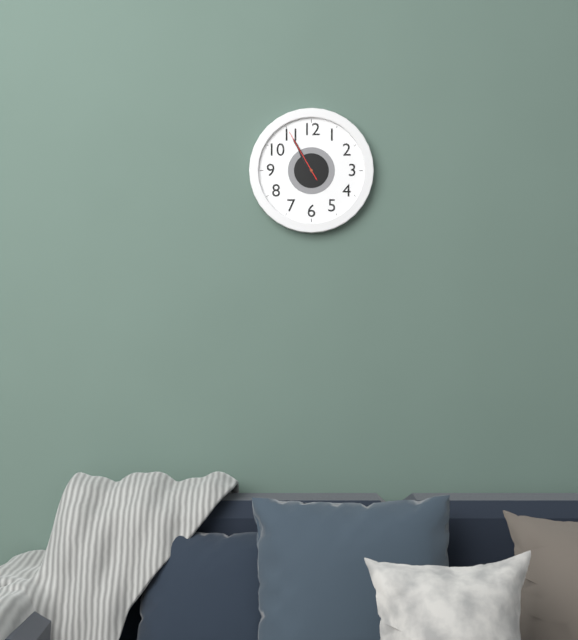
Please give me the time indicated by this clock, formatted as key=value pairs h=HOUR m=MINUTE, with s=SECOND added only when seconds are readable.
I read h=10 m=55 s=55
